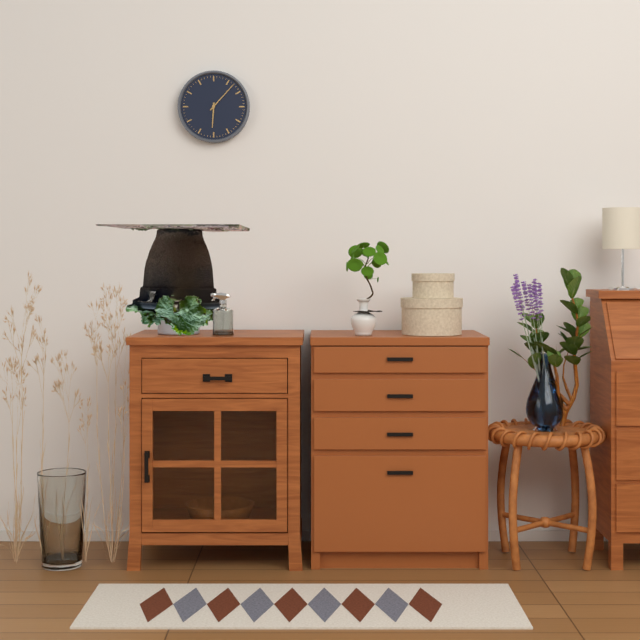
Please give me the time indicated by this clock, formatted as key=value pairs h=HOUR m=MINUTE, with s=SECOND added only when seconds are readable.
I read h=6 m=7
